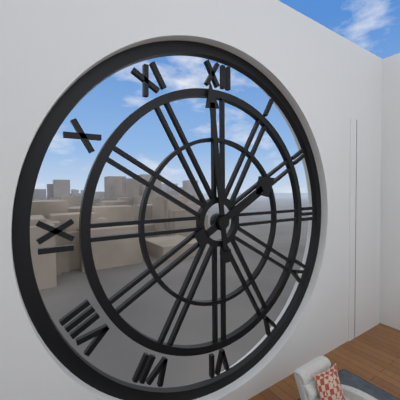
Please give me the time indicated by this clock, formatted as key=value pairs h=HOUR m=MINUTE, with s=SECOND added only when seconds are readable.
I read h=1 m=59
